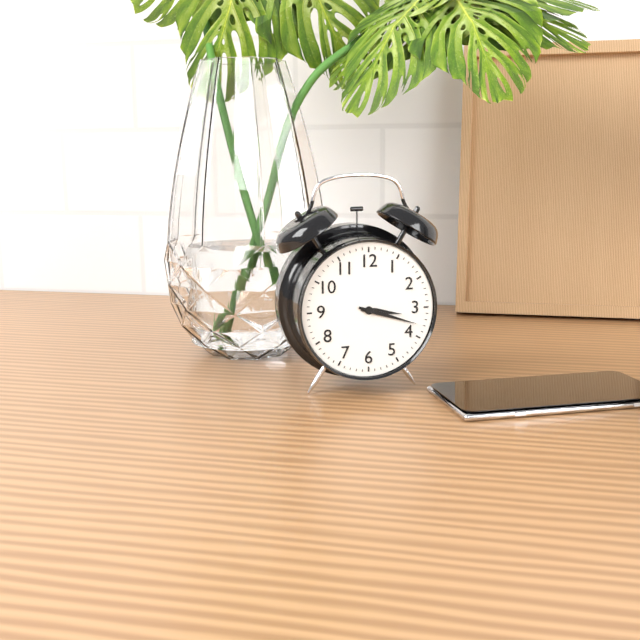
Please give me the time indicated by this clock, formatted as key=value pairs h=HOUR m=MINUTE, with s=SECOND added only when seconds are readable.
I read h=3 m=18
